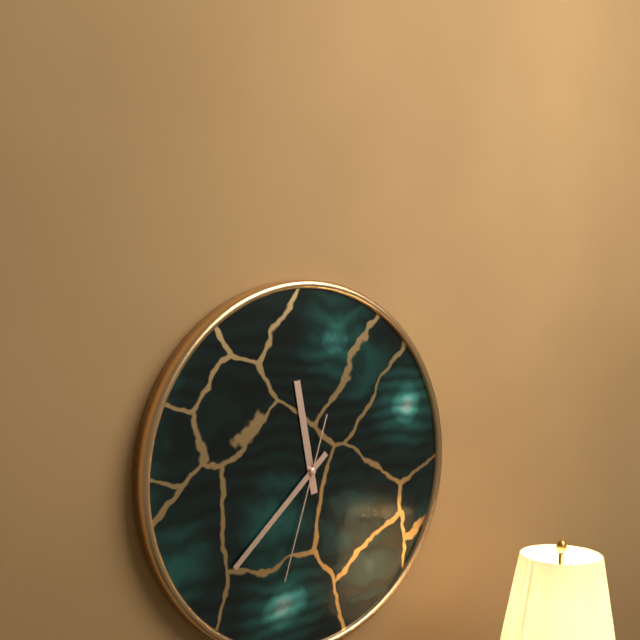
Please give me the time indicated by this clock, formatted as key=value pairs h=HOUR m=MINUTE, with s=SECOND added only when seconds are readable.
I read h=11 m=38 s=33
